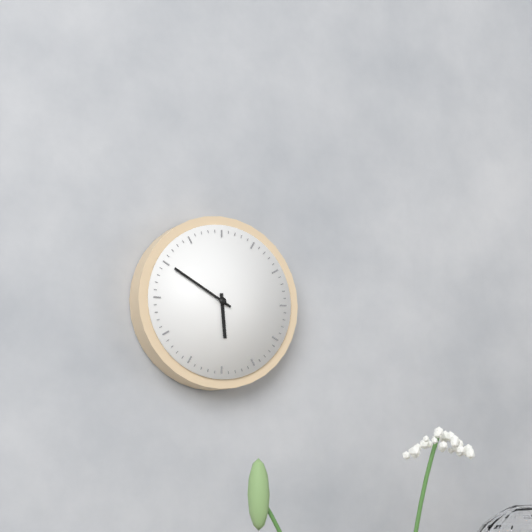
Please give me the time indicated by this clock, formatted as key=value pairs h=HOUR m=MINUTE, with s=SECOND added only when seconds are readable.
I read h=5 m=50
